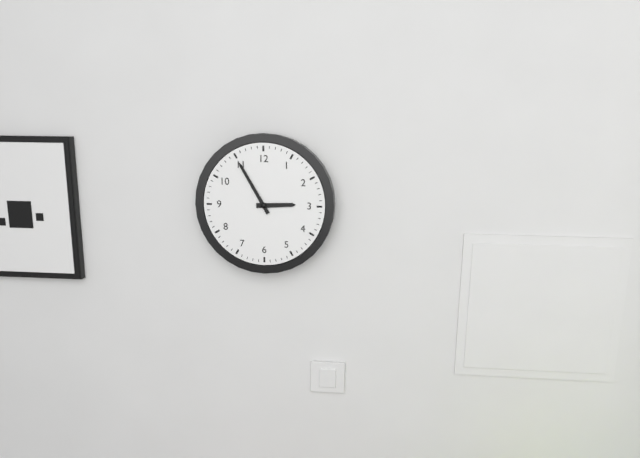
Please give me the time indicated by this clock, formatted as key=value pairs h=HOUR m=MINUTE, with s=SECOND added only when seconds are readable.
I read h=2 m=55
